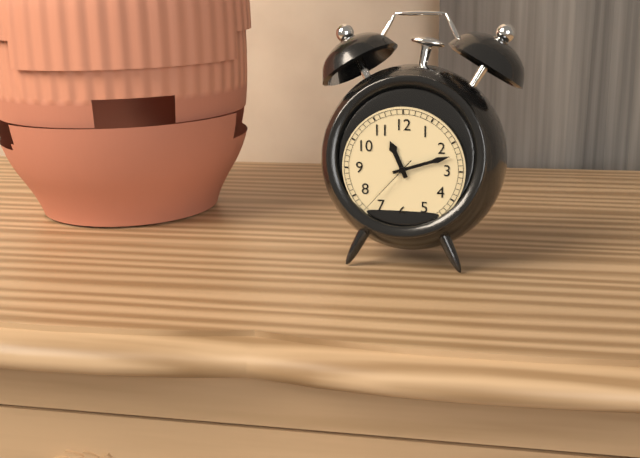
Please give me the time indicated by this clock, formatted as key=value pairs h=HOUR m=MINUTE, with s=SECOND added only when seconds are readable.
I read h=11 m=12 s=37
